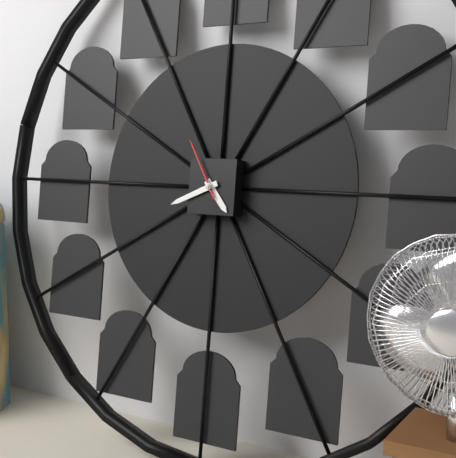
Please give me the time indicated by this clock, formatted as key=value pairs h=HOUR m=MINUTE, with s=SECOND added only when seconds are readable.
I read h=4 m=41 s=55
